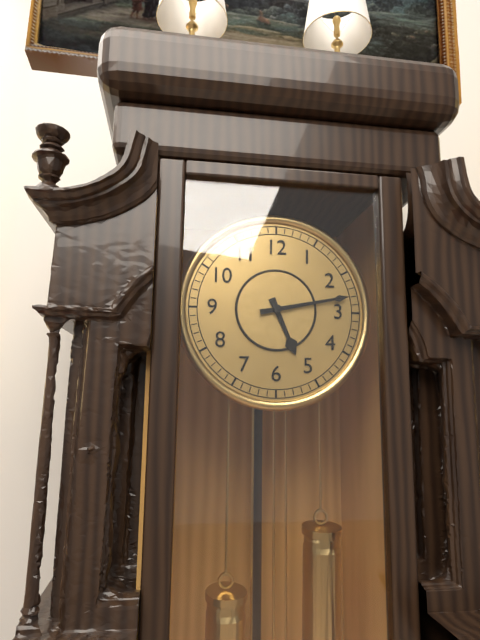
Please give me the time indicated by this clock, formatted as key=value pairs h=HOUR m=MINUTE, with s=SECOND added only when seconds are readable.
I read h=5 m=13
